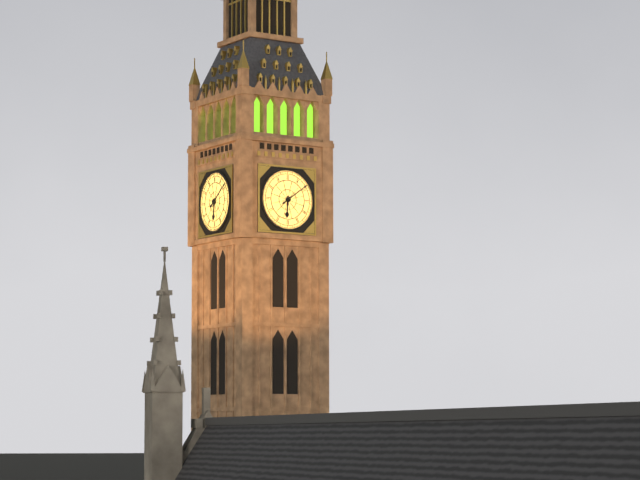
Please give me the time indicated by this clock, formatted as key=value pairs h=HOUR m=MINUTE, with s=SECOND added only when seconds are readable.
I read h=6 m=9
